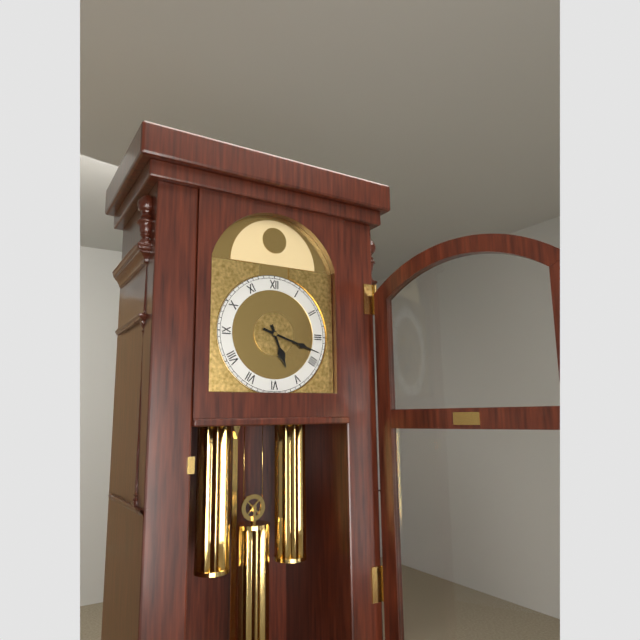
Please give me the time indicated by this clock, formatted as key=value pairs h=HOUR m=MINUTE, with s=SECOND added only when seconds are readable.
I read h=5 m=18
